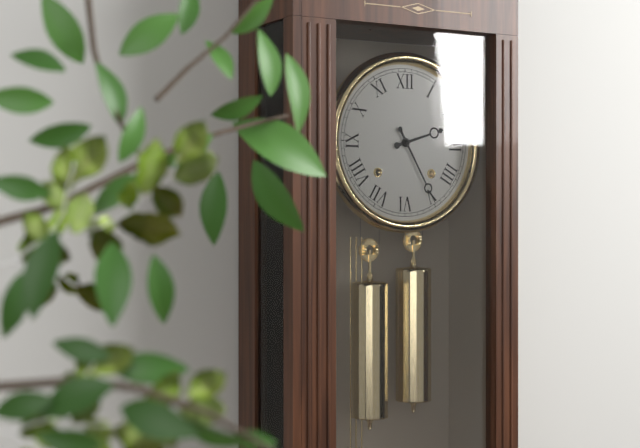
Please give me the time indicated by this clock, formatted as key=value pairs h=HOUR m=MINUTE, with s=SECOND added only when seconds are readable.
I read h=2 m=25
